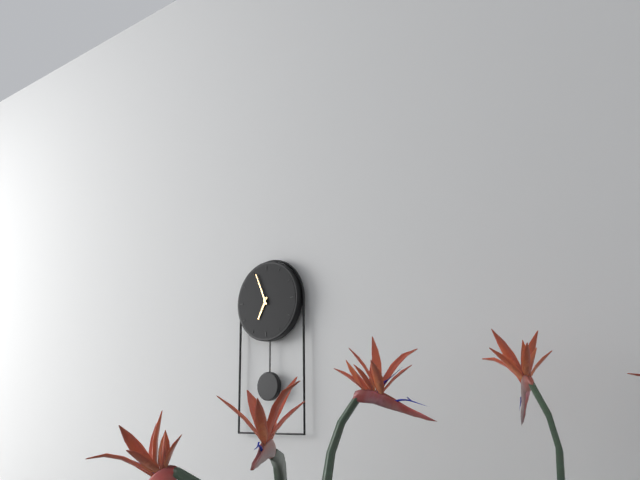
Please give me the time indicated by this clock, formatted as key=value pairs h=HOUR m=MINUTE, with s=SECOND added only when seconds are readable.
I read h=6 m=56
